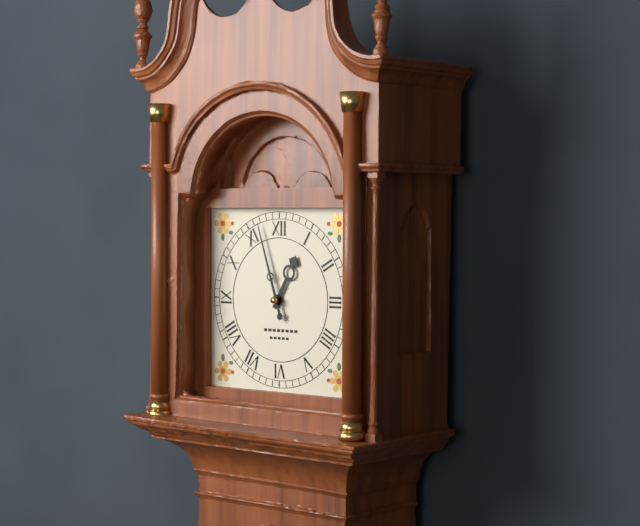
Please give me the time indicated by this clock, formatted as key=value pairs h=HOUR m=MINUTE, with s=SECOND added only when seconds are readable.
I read h=12 m=57
